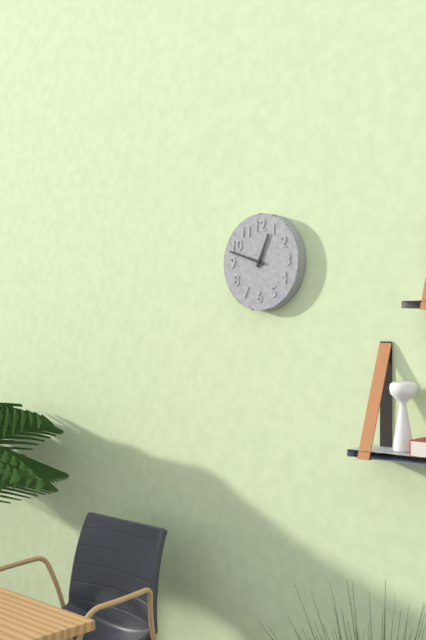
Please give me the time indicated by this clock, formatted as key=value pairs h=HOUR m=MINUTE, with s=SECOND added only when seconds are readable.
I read h=12 m=48
